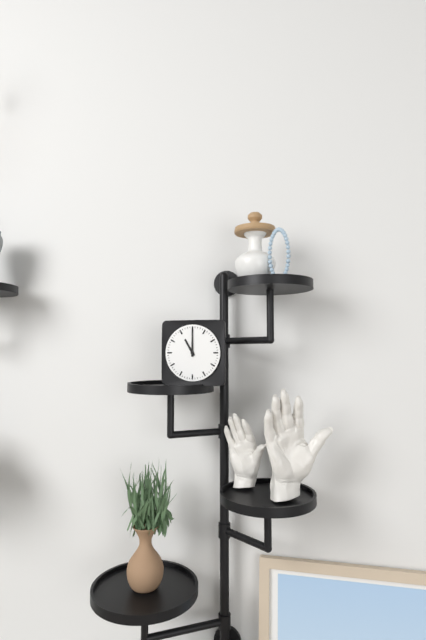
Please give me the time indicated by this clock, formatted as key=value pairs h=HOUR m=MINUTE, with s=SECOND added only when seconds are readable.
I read h=11 m=0
